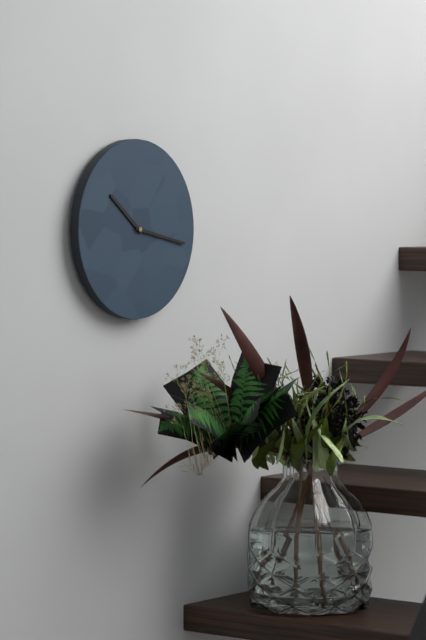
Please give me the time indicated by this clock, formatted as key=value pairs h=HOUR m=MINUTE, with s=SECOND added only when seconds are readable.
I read h=10 m=17
